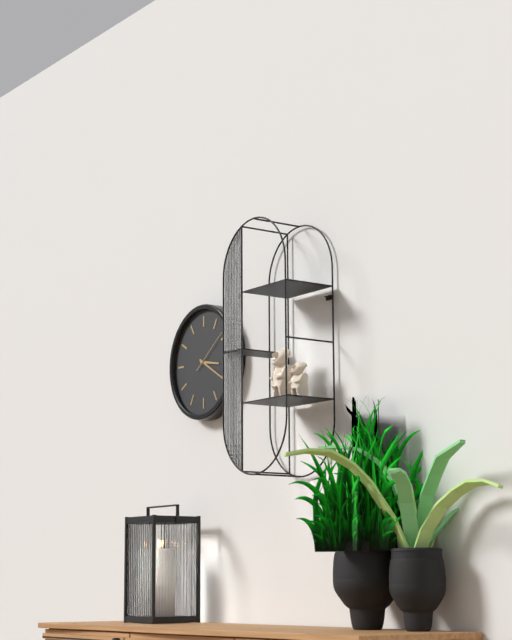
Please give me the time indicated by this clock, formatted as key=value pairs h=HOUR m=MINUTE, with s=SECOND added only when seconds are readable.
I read h=3 m=20
